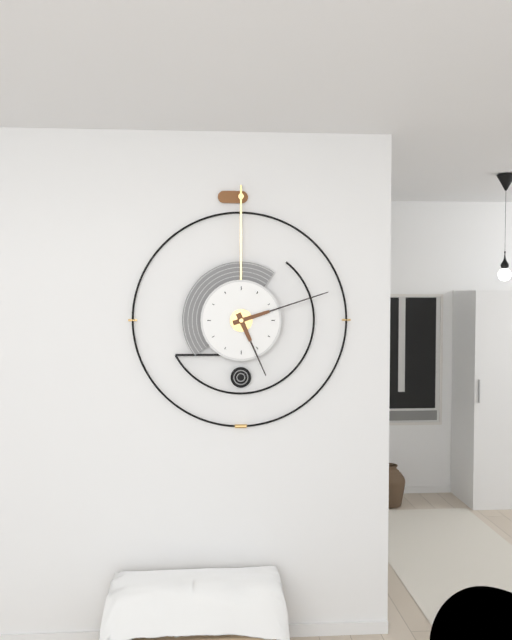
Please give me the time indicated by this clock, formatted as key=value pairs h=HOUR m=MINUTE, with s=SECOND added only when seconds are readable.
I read h=5 m=12
